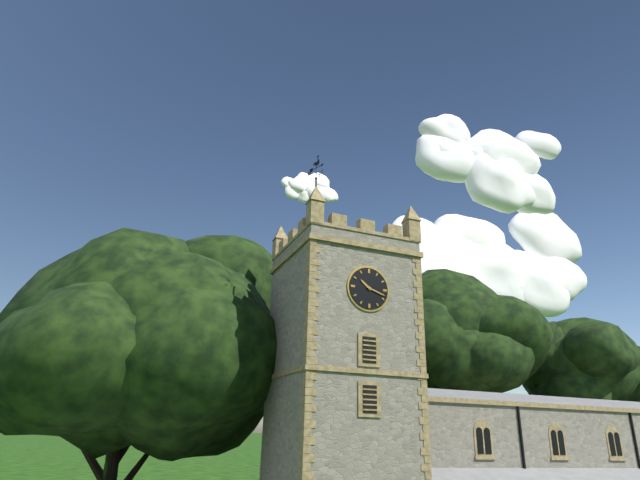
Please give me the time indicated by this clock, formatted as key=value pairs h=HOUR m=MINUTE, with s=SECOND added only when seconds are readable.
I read h=10 m=18
